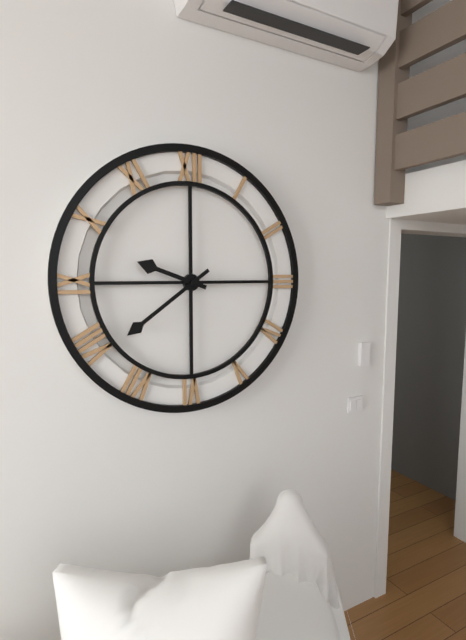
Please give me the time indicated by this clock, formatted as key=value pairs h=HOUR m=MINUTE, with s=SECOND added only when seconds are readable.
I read h=9 m=39
